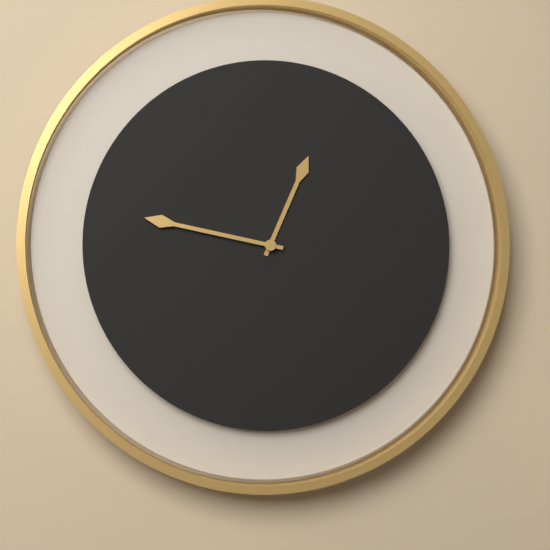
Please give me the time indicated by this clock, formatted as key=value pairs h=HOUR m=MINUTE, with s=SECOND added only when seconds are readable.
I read h=12 m=47
